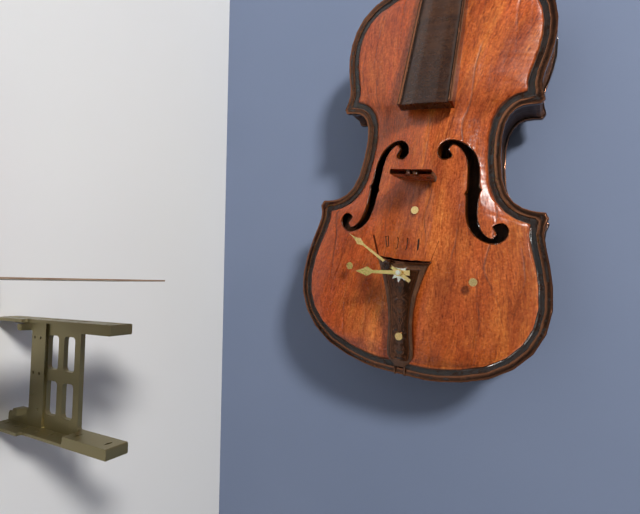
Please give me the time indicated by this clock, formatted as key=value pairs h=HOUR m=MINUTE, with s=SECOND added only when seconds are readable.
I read h=8 m=50
